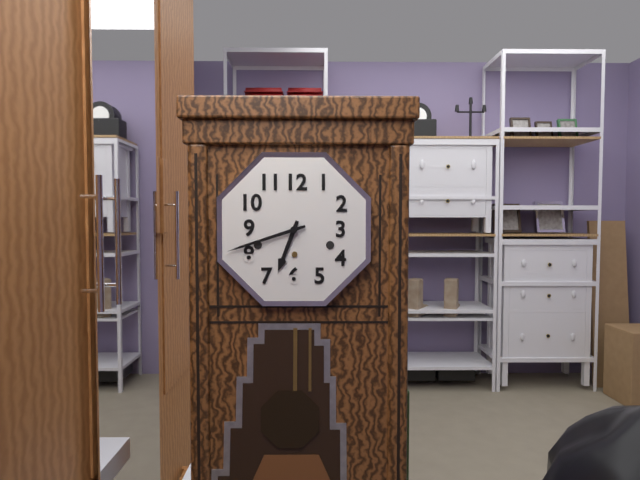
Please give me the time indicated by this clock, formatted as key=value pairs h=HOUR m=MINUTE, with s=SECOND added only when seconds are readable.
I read h=6 m=42
